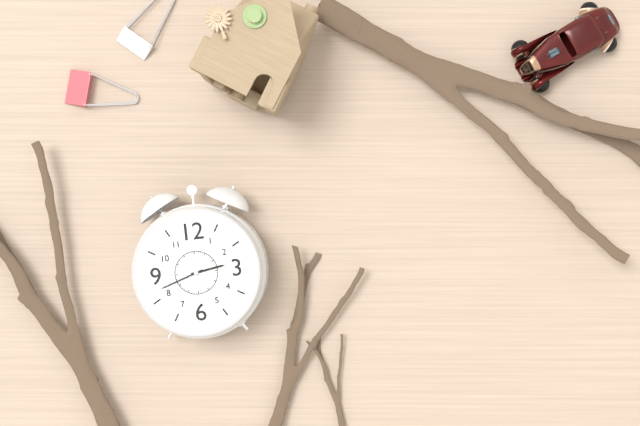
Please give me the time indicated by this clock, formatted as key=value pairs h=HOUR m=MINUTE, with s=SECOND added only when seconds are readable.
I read h=2 m=42
